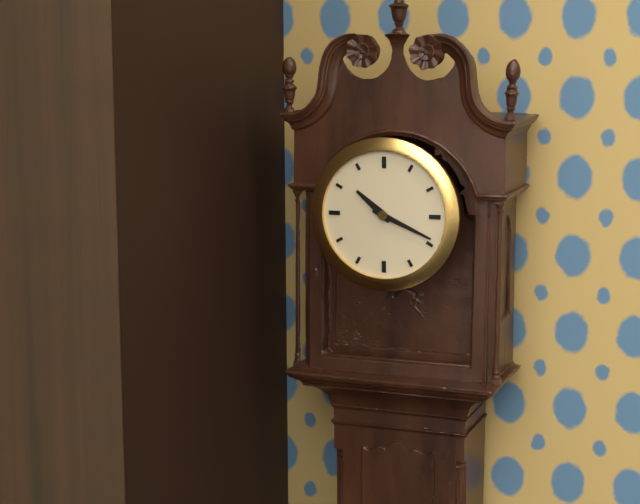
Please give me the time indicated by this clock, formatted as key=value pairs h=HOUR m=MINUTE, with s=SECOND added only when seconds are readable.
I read h=10 m=19
